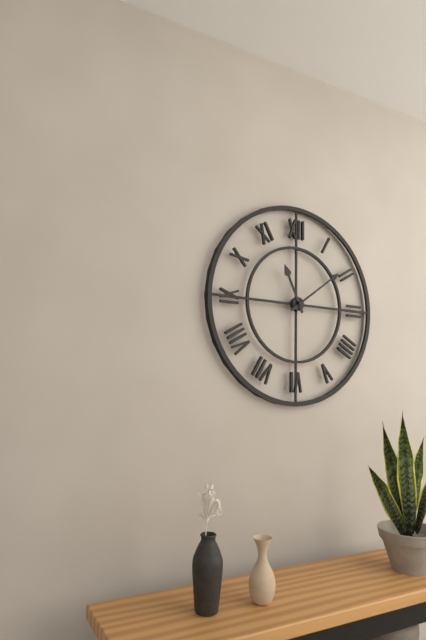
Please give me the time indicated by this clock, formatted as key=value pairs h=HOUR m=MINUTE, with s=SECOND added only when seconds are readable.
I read h=11 m=9
